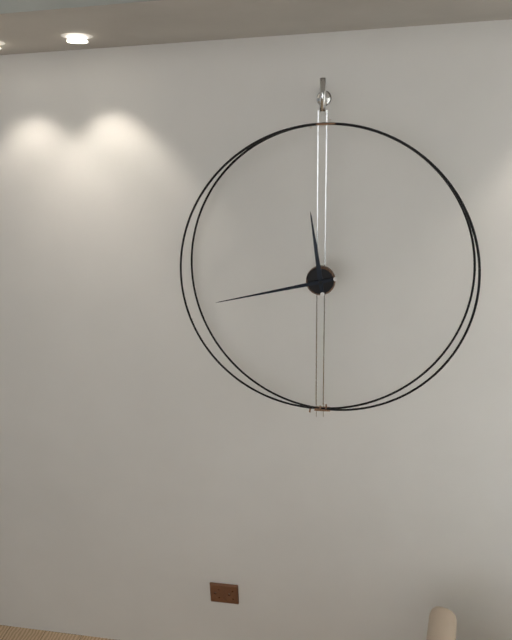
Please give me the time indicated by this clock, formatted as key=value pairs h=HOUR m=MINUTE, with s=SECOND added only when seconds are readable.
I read h=11 m=43
